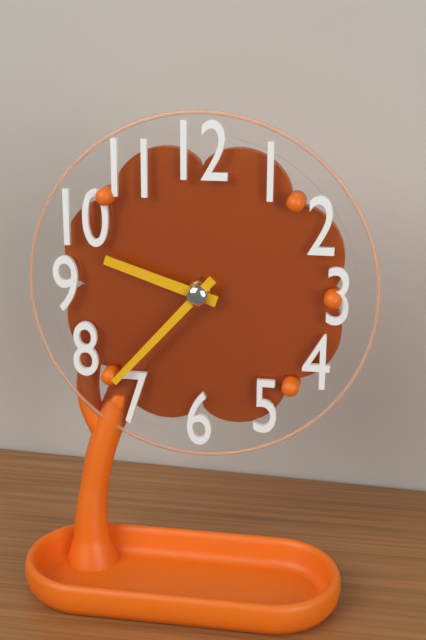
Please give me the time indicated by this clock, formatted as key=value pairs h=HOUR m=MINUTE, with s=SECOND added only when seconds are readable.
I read h=9 m=37
